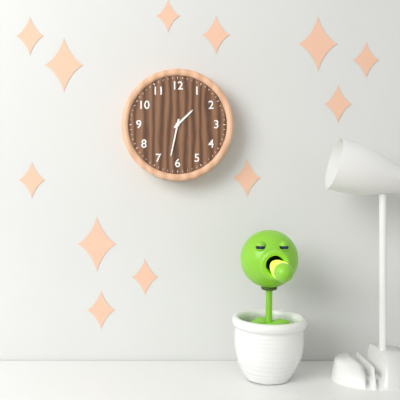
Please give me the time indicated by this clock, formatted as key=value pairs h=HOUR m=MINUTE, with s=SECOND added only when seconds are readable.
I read h=1 m=32
